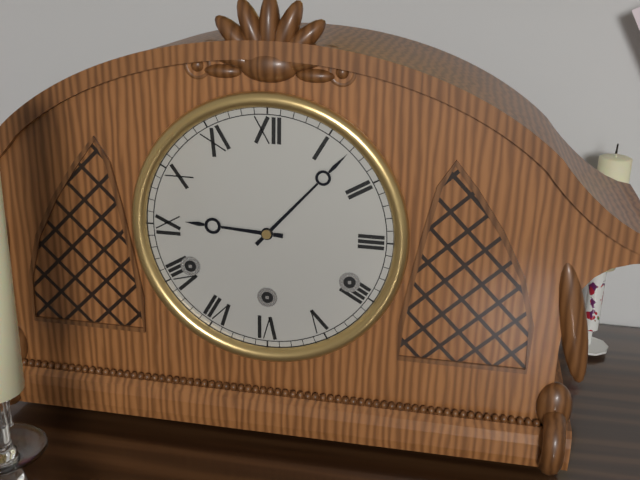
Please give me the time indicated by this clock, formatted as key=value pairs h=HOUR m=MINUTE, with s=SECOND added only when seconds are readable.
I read h=9 m=7
